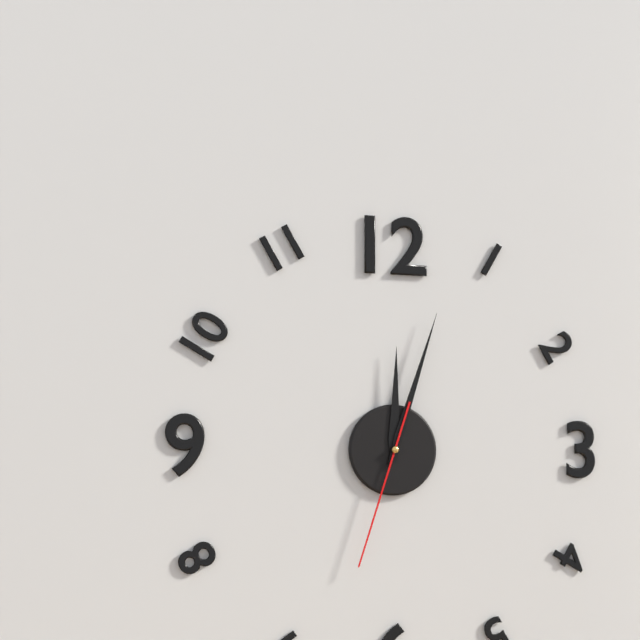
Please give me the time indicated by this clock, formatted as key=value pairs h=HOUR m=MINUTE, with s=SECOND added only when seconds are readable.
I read h=12 m=3 s=33
